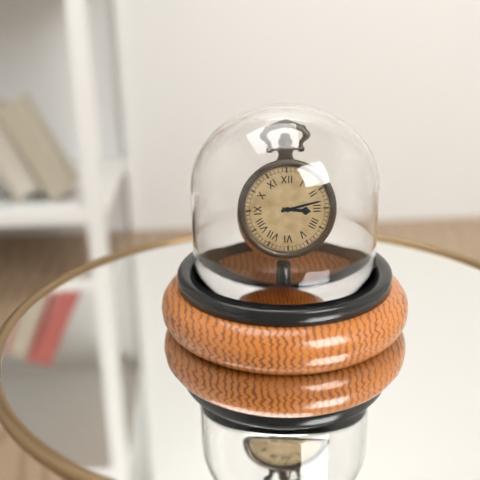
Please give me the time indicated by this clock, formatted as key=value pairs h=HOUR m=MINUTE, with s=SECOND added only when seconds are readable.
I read h=3 m=13
